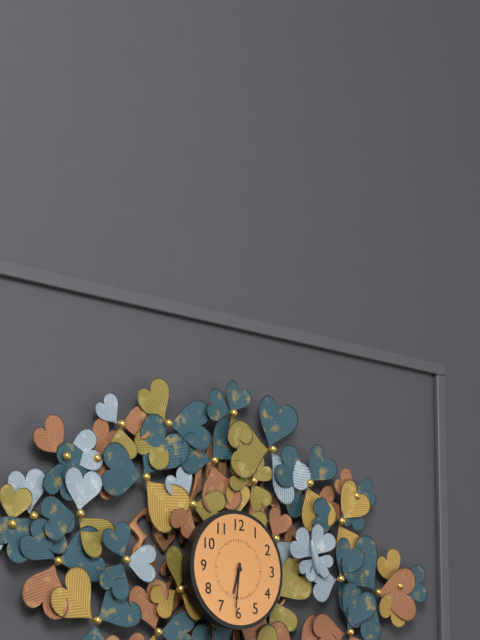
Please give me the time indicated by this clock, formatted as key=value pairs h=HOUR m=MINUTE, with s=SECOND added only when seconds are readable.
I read h=6 m=31
